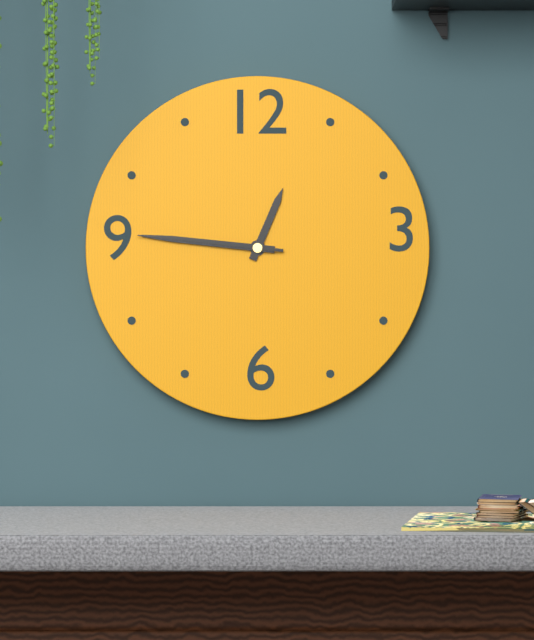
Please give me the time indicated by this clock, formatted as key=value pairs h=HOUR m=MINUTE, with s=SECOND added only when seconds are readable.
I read h=12 m=46 s=46
